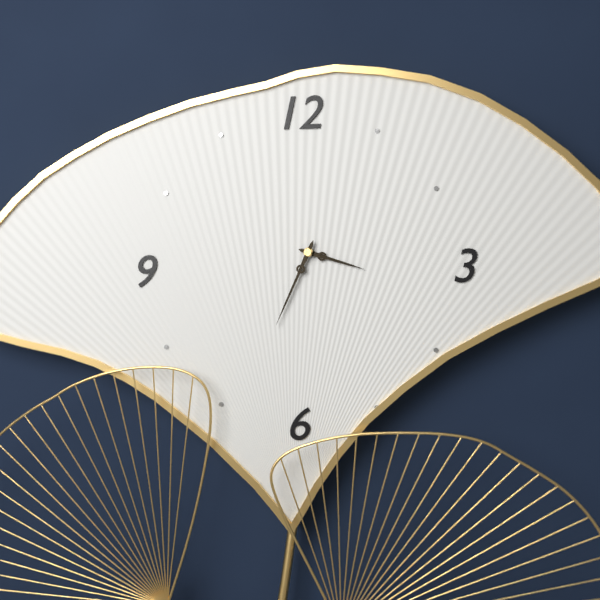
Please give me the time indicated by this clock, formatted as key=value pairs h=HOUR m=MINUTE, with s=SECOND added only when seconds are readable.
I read h=3 m=34
